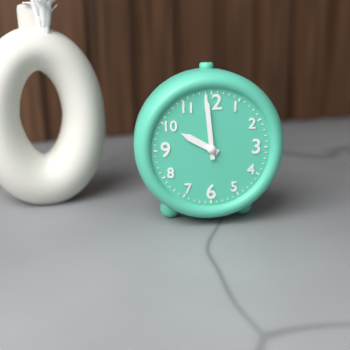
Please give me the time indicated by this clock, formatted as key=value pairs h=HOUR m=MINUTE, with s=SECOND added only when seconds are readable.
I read h=9 m=59
